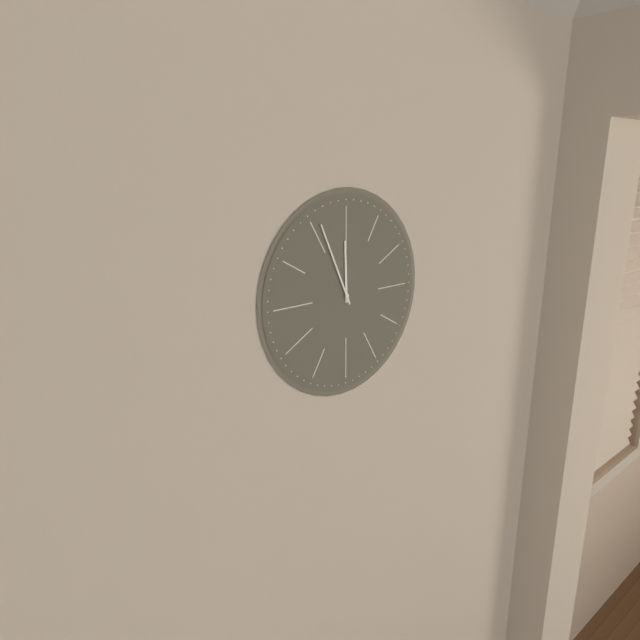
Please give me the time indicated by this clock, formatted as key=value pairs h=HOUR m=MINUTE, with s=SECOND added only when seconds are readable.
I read h=11 m=56
